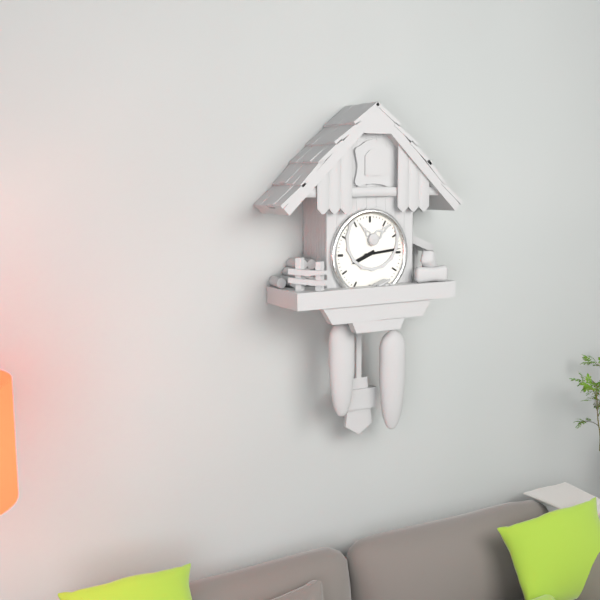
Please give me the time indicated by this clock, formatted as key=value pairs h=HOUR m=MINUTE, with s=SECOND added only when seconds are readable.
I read h=8 m=14
